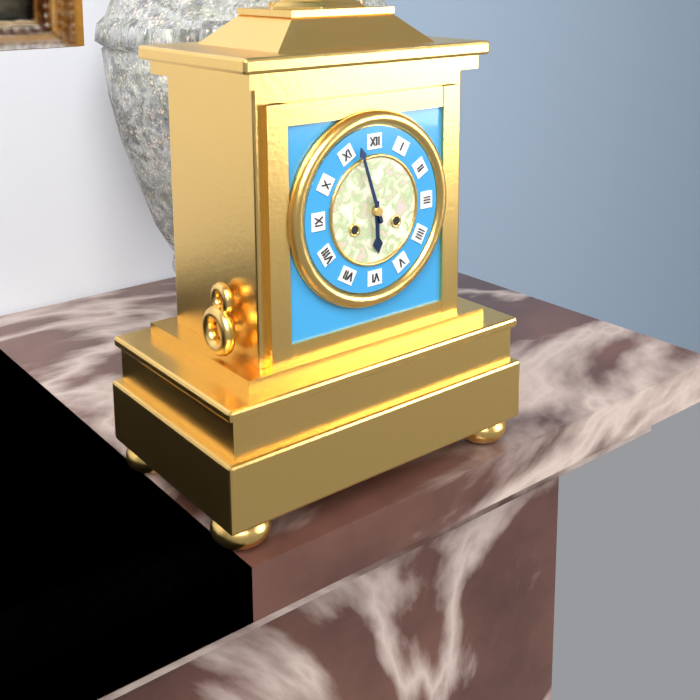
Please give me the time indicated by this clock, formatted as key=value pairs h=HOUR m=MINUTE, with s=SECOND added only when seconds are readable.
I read h=5 m=57
